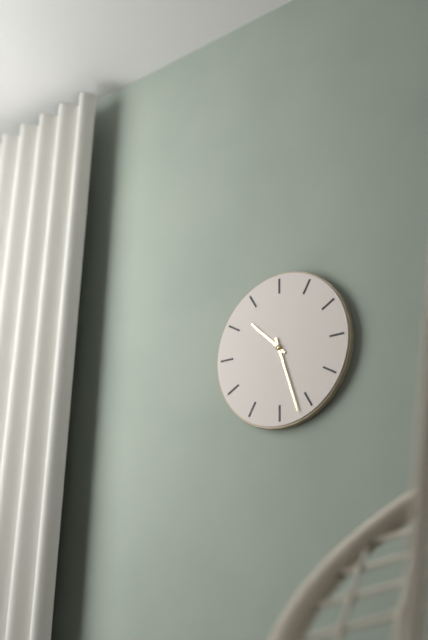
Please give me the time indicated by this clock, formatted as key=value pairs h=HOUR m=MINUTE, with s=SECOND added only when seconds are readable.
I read h=10 m=27
